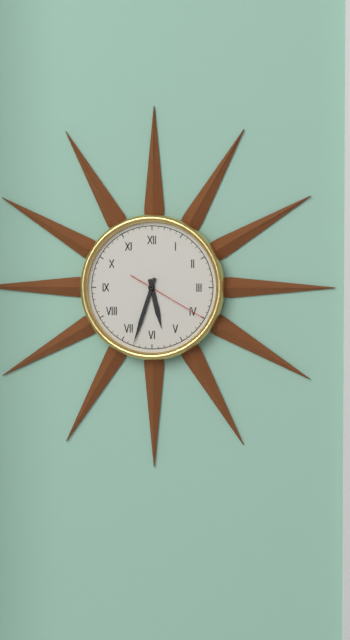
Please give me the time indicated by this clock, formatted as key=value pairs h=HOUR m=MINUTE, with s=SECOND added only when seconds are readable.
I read h=5 m=33 s=20
